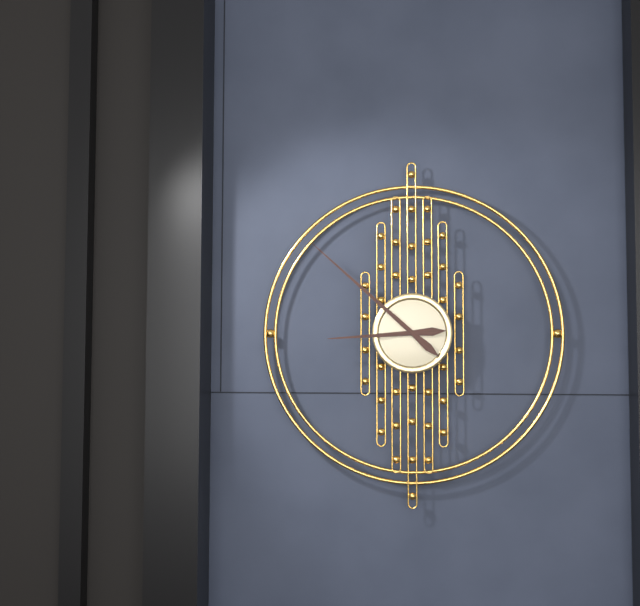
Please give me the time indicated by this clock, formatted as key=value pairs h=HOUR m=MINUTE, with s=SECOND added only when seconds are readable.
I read h=8 m=52
